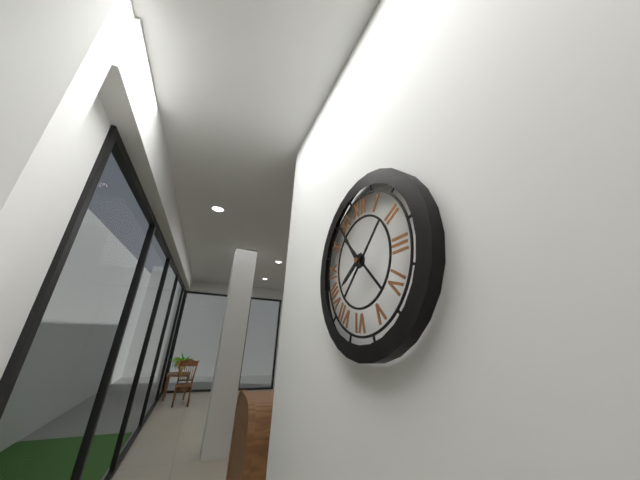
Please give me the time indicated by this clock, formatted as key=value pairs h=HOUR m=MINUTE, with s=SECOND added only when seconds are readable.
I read h=7 m=54
